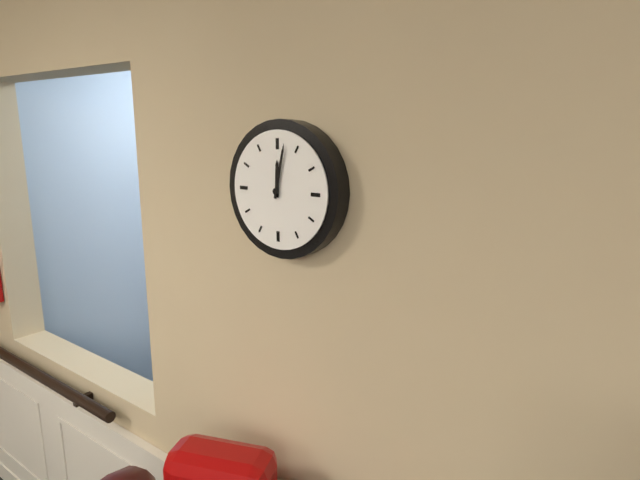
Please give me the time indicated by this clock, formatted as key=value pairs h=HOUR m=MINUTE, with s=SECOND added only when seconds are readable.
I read h=12 m=2
